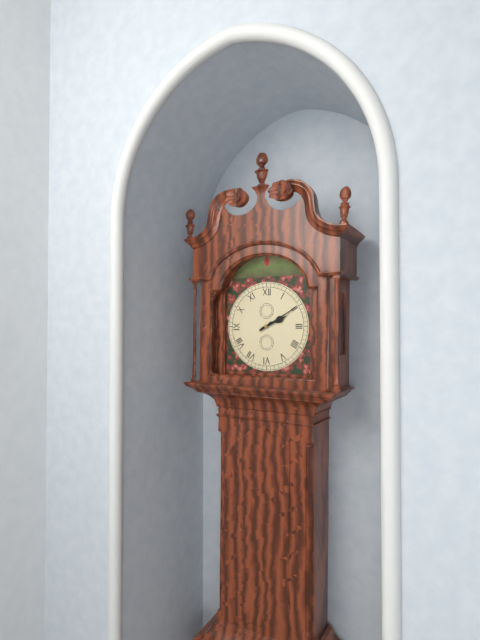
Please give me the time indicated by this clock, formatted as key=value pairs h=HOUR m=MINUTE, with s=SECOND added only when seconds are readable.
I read h=2 m=10
